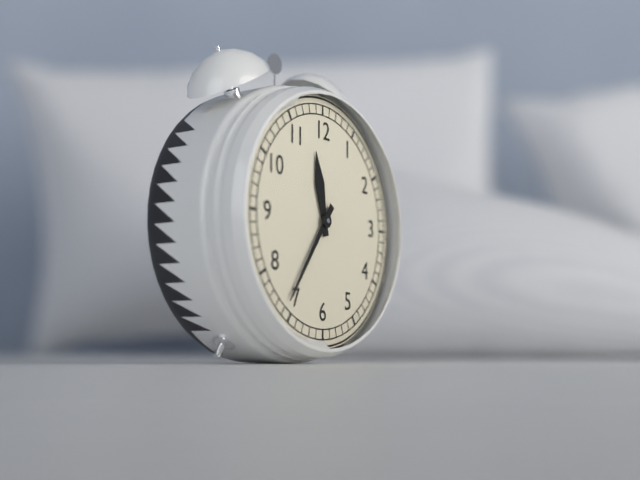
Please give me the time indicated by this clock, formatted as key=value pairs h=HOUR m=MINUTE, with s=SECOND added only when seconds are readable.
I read h=11 m=36
